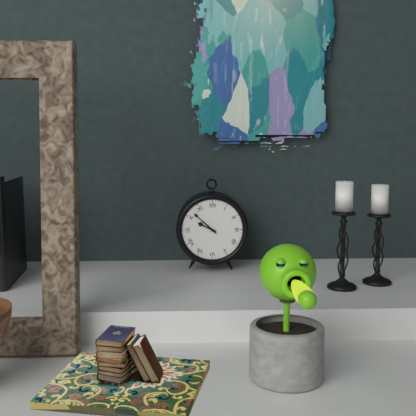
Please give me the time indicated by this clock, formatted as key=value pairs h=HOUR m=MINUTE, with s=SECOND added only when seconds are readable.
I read h=9 m=52
